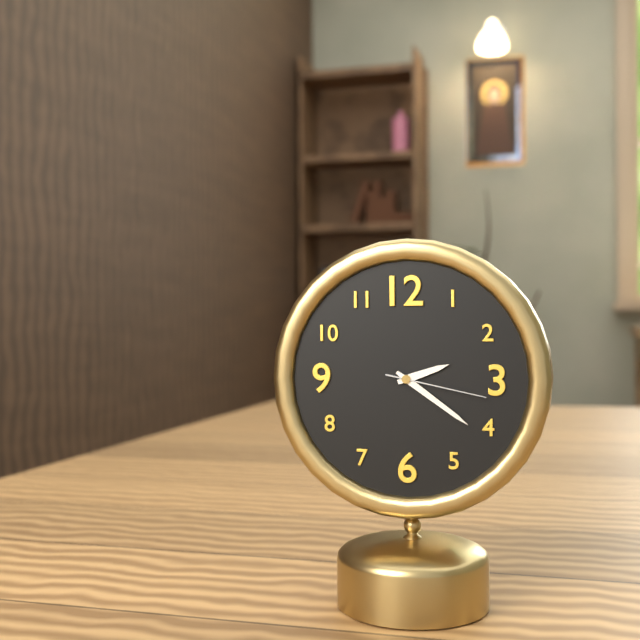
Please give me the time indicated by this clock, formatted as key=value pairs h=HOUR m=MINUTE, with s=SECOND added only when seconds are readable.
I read h=2 m=21 s=17
